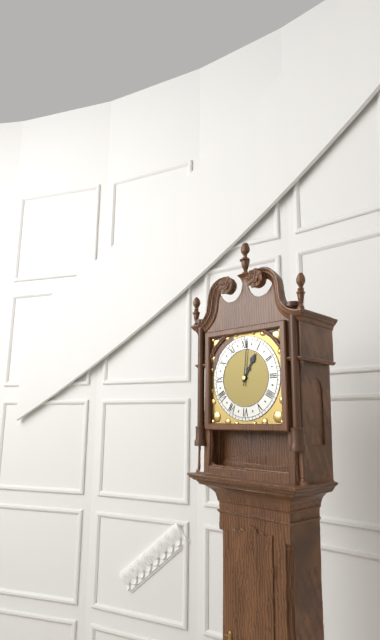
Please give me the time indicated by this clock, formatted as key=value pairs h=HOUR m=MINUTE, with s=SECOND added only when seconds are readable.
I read h=1 m=1
